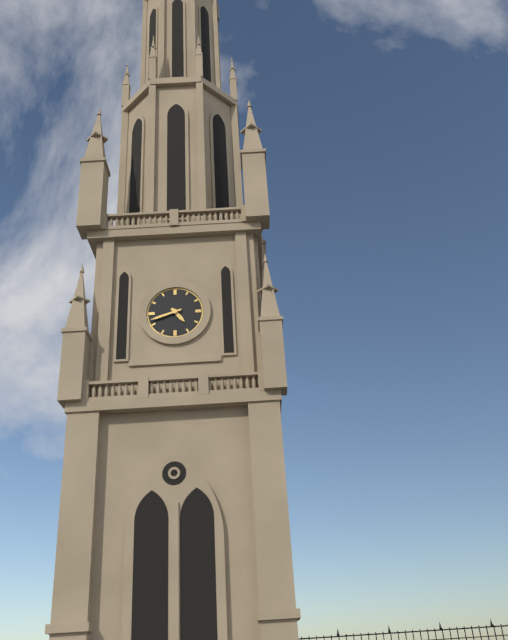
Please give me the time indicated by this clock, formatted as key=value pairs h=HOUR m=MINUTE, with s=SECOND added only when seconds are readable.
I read h=4 m=42
